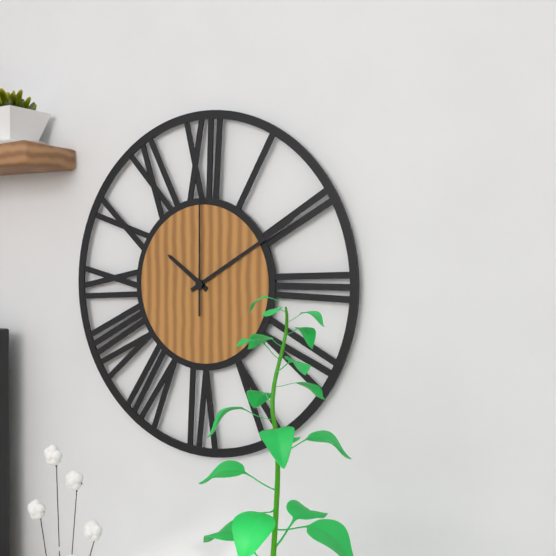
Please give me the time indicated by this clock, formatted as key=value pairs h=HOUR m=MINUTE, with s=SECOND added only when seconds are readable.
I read h=10 m=10 s=0
